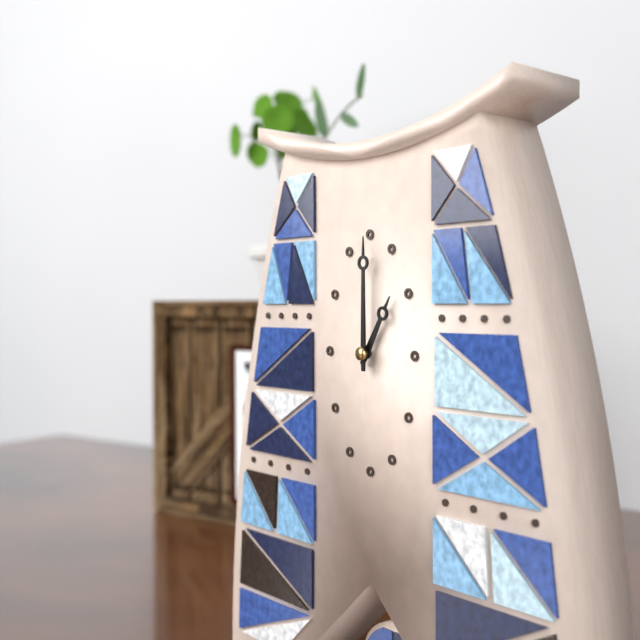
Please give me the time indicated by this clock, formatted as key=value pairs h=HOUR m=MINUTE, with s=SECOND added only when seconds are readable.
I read h=1 m=0
